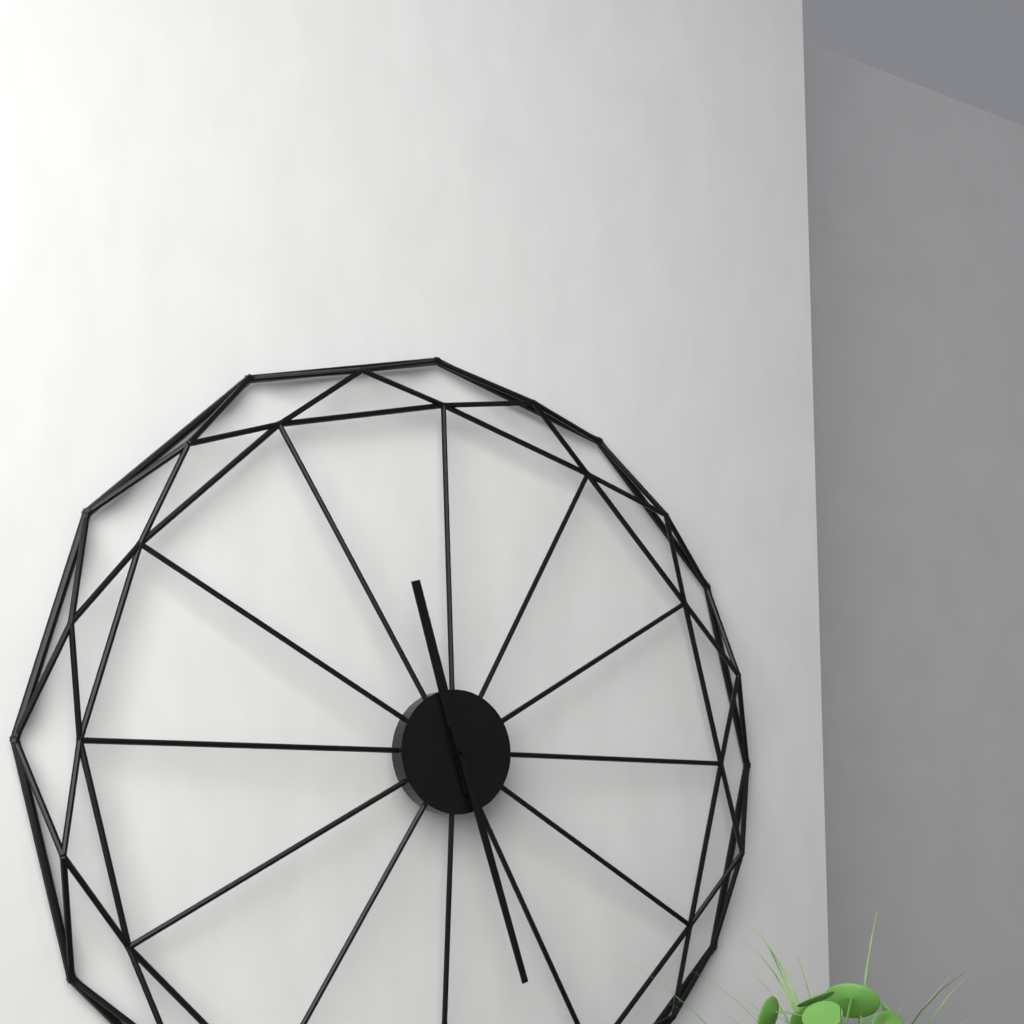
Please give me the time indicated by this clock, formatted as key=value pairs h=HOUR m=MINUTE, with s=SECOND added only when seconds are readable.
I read h=11 m=27
